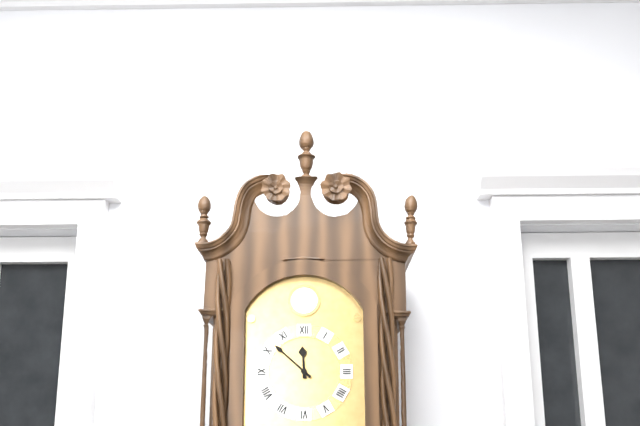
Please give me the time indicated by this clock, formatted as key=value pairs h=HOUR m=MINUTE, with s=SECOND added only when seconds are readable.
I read h=11 m=52
